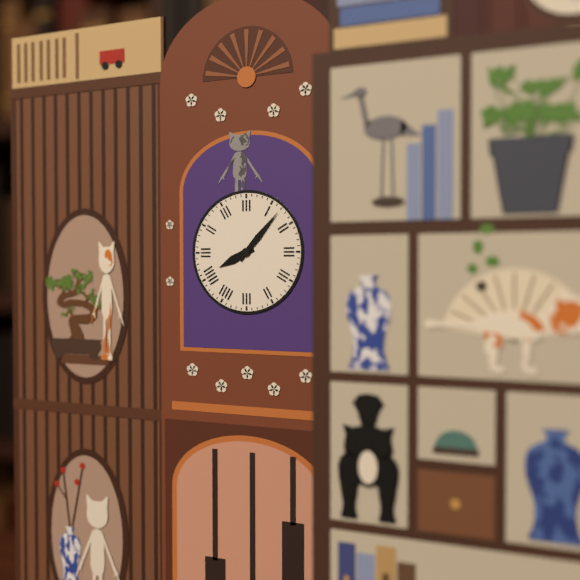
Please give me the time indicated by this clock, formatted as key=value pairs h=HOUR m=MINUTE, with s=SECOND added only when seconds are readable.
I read h=8 m=7
